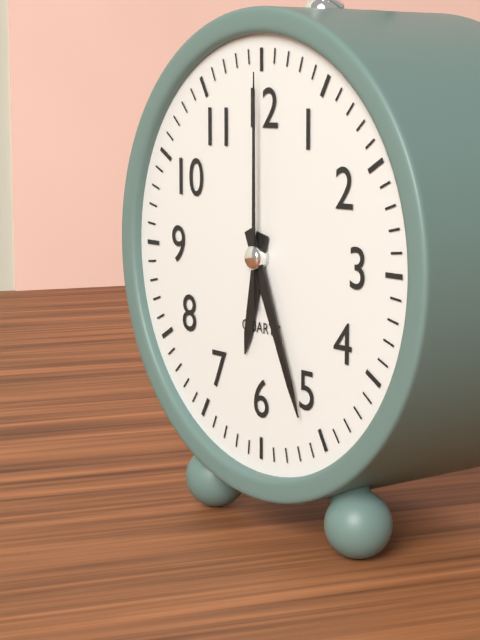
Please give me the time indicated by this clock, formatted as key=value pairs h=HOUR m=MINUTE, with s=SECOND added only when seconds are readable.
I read h=6 m=26 s=0
